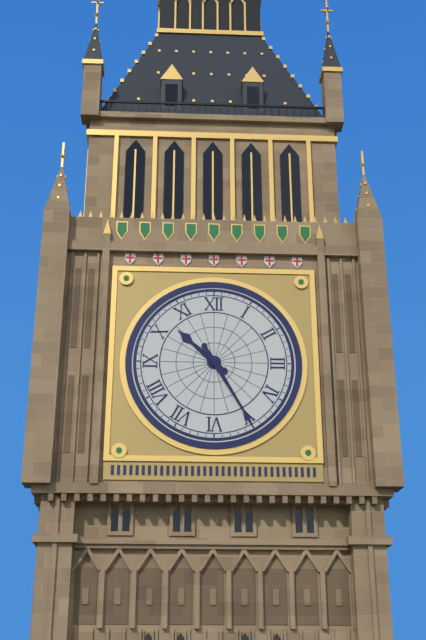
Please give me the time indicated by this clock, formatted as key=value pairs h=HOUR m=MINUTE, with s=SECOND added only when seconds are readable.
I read h=10 m=25
